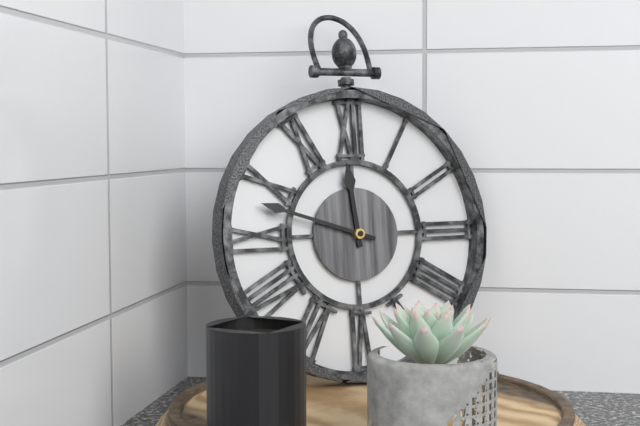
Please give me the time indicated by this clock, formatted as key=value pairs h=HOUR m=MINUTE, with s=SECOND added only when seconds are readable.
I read h=11 m=48
